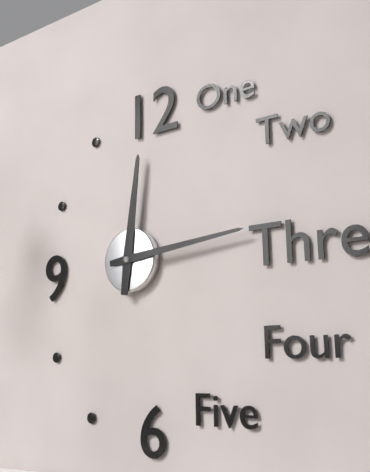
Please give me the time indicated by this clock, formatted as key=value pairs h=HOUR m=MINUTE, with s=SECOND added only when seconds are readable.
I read h=12 m=14
